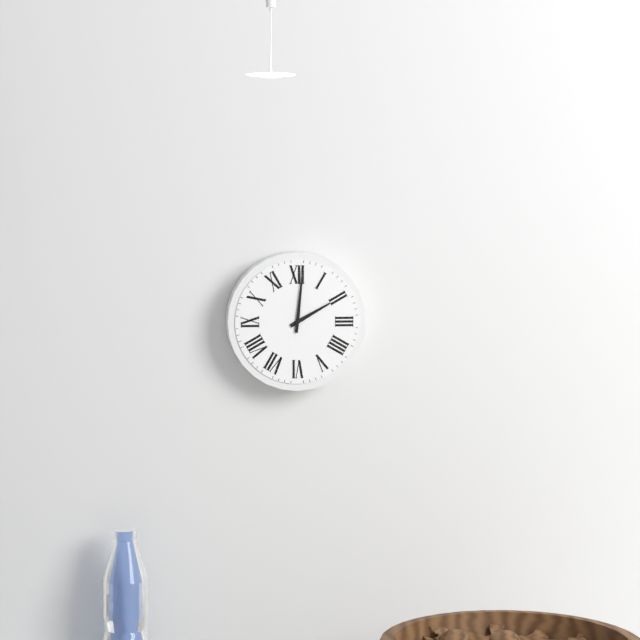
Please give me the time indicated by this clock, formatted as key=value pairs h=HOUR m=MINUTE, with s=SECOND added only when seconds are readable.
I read h=2 m=1
